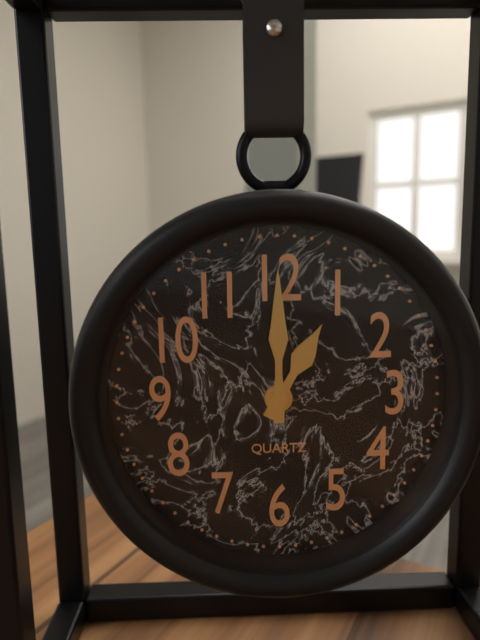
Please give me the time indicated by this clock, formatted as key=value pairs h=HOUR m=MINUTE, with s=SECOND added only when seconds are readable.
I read h=1 m=0
